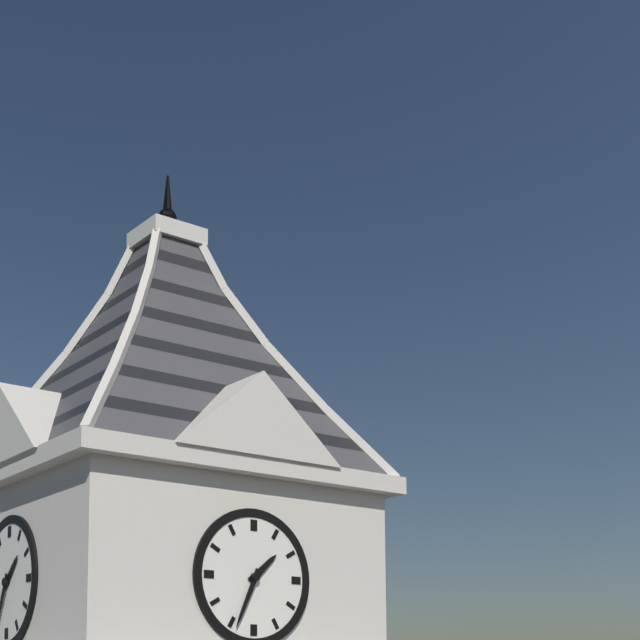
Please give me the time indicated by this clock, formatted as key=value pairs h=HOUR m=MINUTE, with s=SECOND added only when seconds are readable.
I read h=1 m=34
